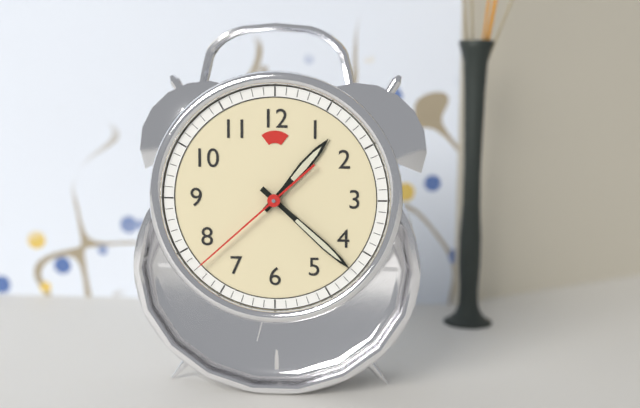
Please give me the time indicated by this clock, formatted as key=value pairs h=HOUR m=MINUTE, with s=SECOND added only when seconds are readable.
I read h=1 m=22 s=38
